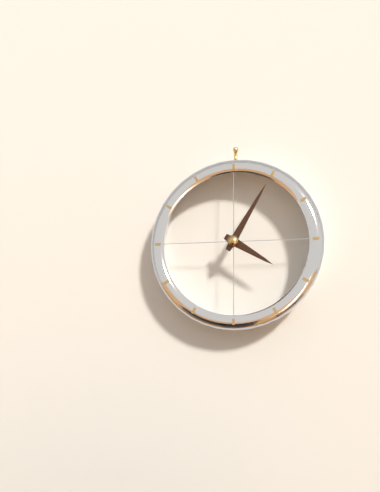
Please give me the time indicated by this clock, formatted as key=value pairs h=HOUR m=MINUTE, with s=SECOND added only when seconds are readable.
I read h=4 m=5
